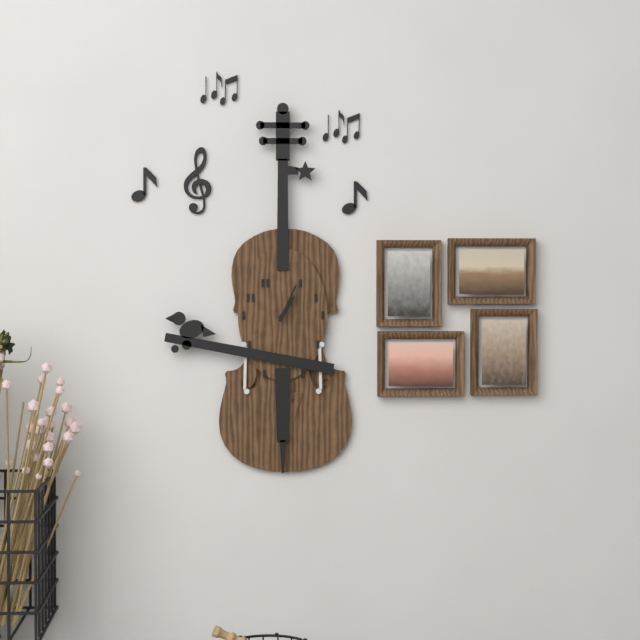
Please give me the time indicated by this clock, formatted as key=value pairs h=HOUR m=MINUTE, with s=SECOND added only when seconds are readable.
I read h=1 m=4
